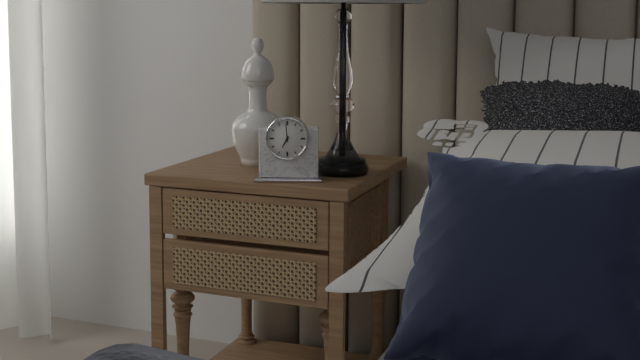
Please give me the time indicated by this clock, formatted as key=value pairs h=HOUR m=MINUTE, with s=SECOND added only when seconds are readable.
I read h=6 m=59
